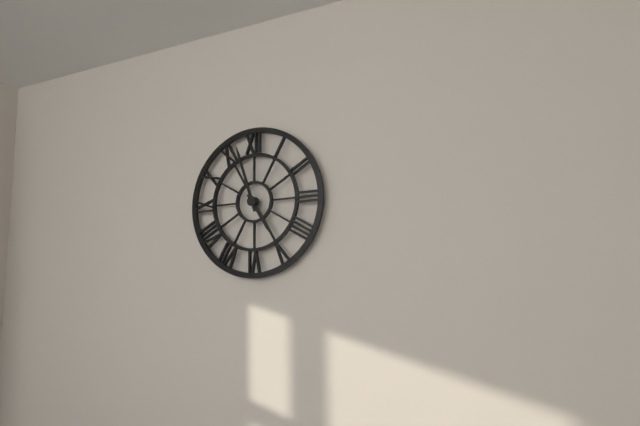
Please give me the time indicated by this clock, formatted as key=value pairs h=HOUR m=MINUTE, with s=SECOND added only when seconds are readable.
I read h=4 m=57
